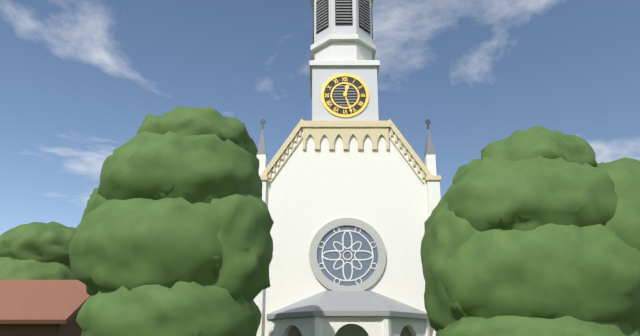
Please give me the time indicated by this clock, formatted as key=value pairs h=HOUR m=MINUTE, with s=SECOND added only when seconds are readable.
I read h=12 m=27
